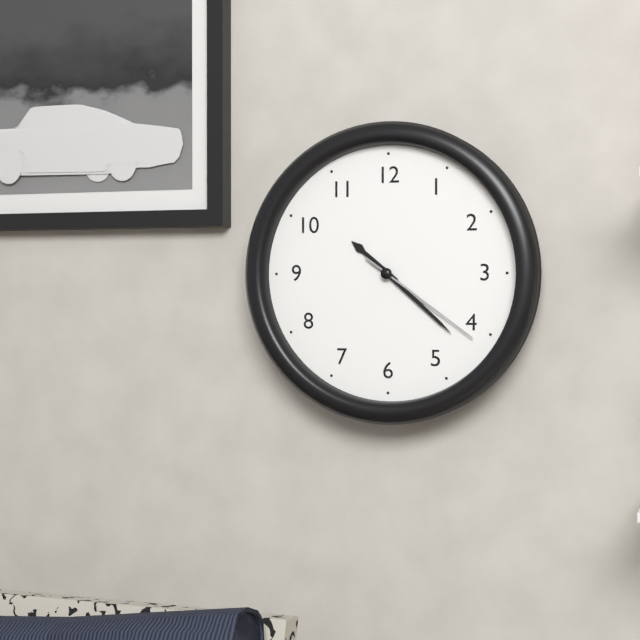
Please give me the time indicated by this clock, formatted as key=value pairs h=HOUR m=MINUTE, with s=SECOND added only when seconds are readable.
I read h=10 m=22 s=21
